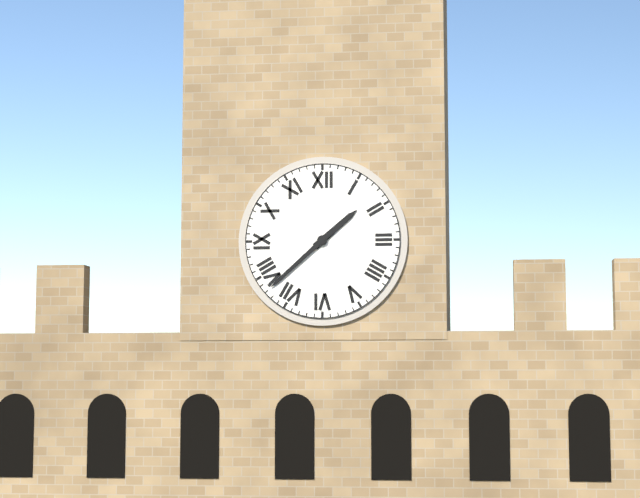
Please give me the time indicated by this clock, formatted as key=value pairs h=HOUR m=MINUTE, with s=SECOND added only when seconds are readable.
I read h=1 m=38
